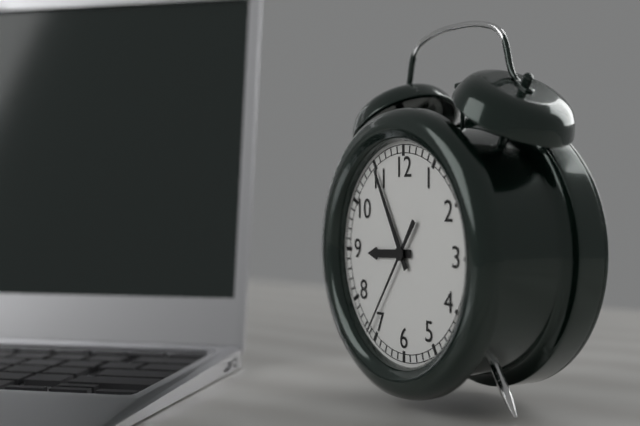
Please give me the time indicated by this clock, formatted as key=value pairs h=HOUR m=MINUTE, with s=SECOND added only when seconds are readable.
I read h=8 m=55 s=36
